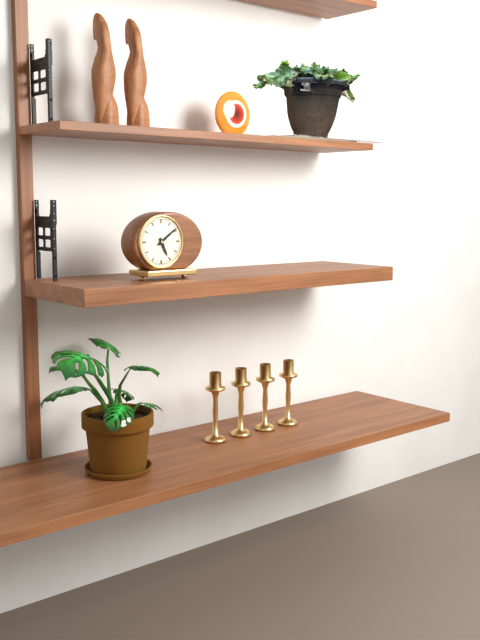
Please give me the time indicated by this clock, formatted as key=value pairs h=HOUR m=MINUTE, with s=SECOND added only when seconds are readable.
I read h=5 m=9
